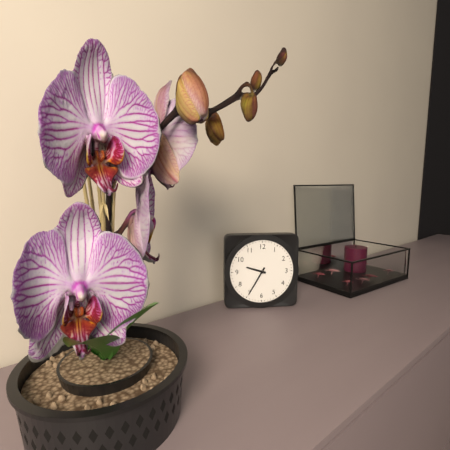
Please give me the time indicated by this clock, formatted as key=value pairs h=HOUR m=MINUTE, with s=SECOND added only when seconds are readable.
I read h=9 m=35
